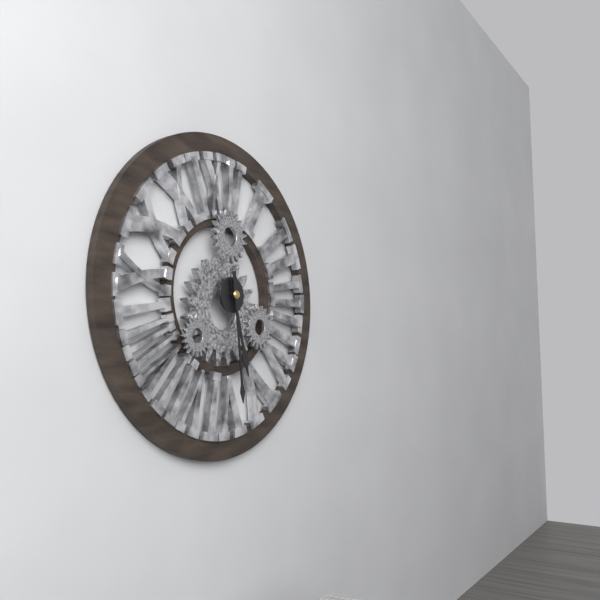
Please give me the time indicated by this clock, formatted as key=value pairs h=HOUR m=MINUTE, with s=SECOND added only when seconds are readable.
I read h=5 m=29
